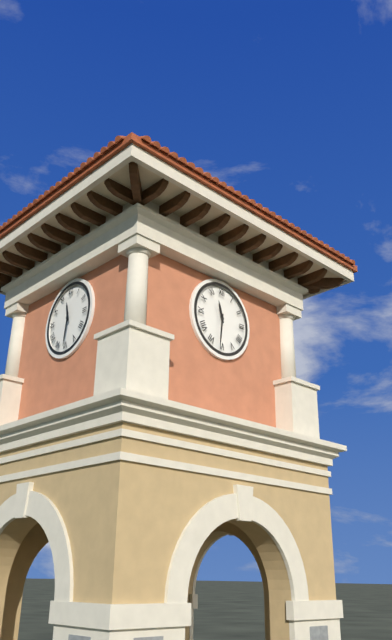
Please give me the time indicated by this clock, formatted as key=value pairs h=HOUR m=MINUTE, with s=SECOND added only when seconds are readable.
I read h=11 m=31
